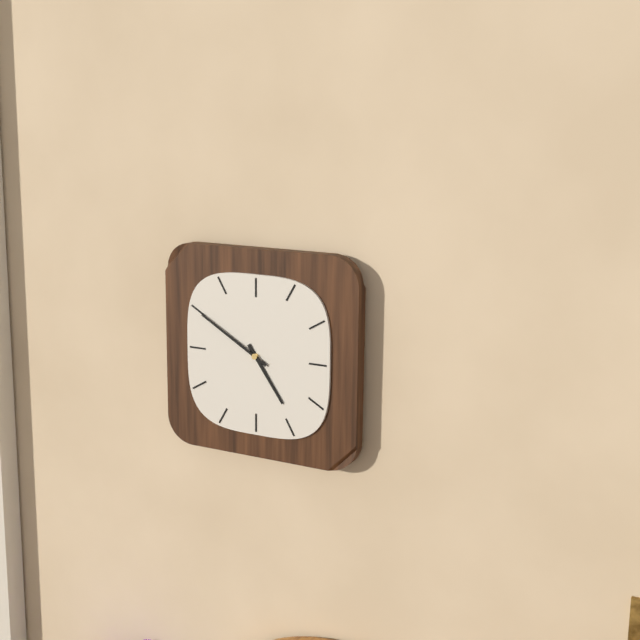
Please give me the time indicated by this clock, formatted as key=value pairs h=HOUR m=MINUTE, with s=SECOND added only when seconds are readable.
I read h=4 m=50
